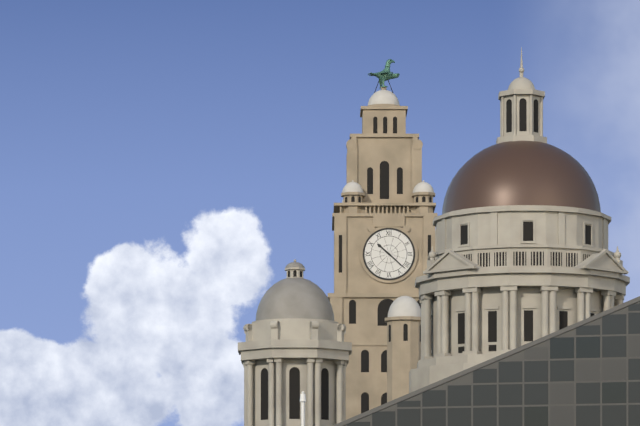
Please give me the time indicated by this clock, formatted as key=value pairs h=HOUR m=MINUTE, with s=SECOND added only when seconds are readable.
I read h=10 m=22
